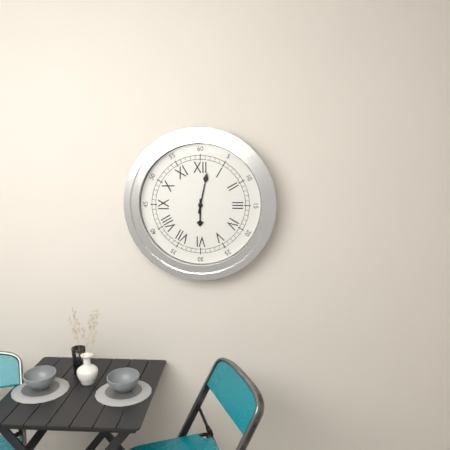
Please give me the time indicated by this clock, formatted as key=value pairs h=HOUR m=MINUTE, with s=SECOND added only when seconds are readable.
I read h=6 m=2
